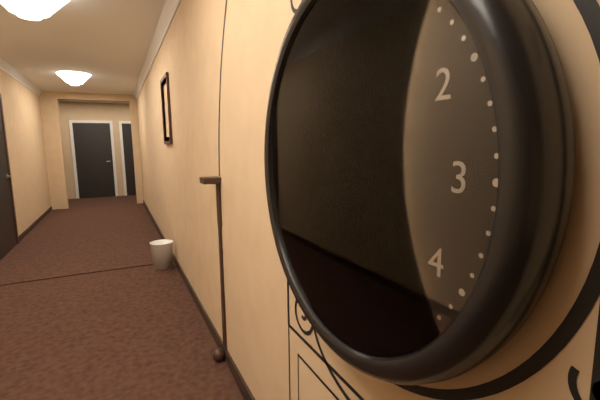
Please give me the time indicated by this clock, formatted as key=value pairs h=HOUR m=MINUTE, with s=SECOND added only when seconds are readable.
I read h=12 m=34
